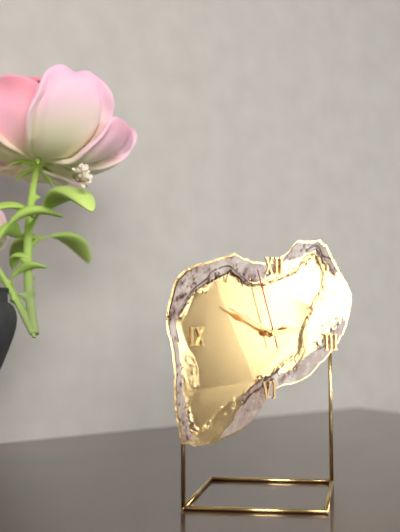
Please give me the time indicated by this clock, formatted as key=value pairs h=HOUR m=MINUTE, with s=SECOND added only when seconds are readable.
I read h=2 m=49 s=57
